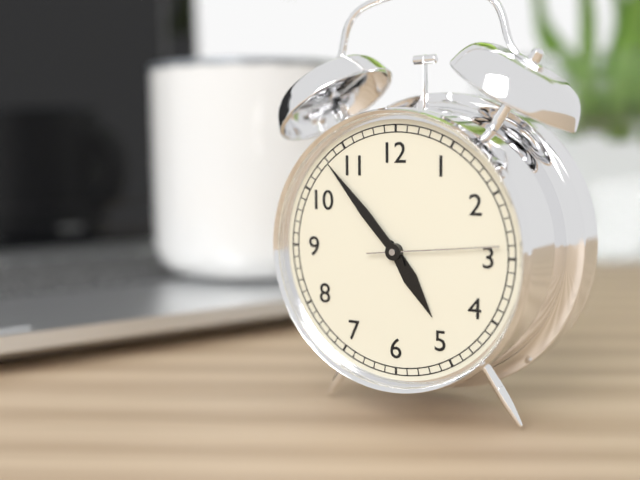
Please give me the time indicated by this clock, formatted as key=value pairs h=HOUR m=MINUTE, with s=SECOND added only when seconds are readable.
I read h=4 m=53 s=14
